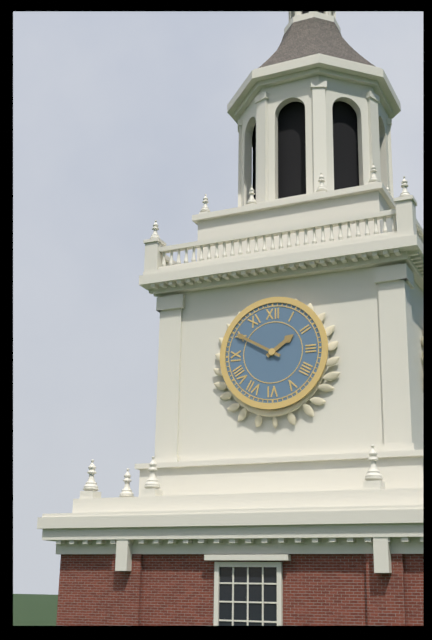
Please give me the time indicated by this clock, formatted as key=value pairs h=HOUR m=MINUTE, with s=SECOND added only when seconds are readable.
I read h=1 m=50
